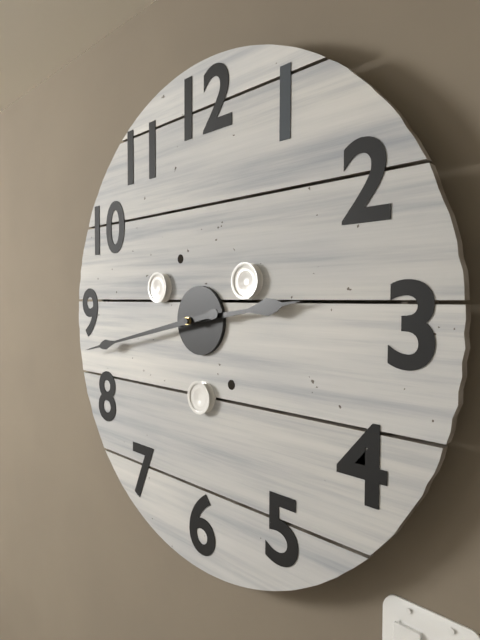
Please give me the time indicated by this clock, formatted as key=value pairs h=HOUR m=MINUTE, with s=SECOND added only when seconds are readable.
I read h=2 m=43
